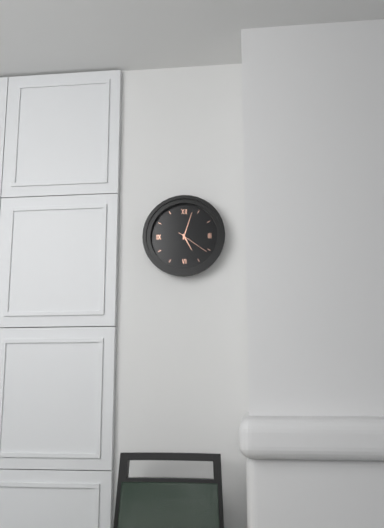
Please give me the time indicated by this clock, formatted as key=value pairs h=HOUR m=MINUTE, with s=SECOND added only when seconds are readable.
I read h=5 m=3
